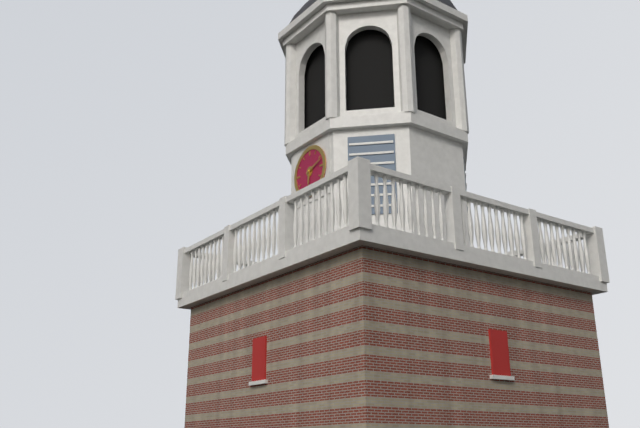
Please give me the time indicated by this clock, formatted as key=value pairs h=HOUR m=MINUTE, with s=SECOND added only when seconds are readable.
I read h=6 m=12
